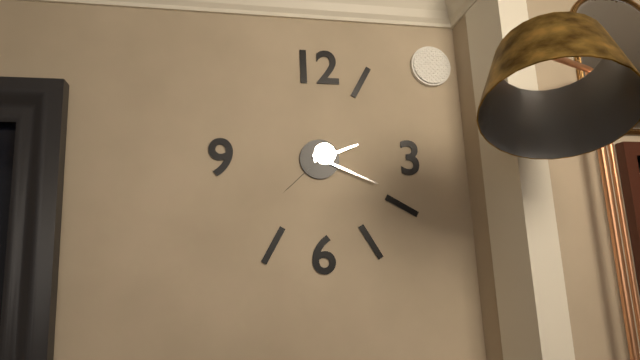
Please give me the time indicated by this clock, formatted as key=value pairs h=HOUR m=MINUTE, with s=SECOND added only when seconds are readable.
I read h=2 m=19 s=38
